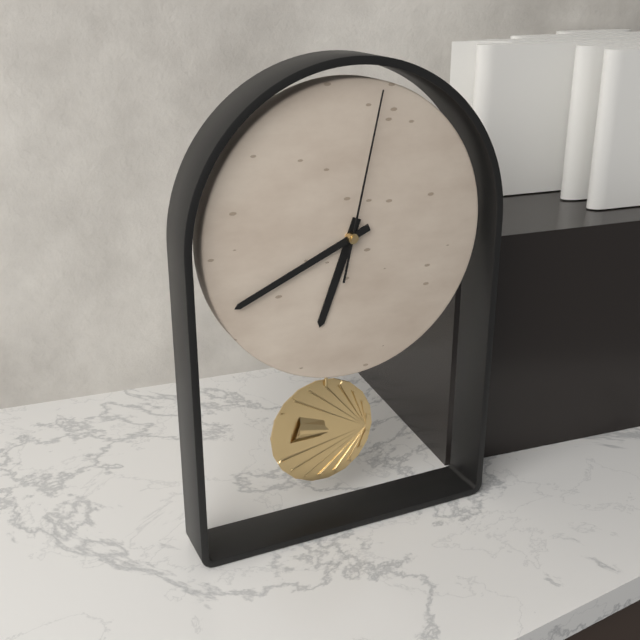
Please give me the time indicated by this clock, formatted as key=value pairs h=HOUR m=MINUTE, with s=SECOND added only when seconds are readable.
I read h=6 m=41 s=2
